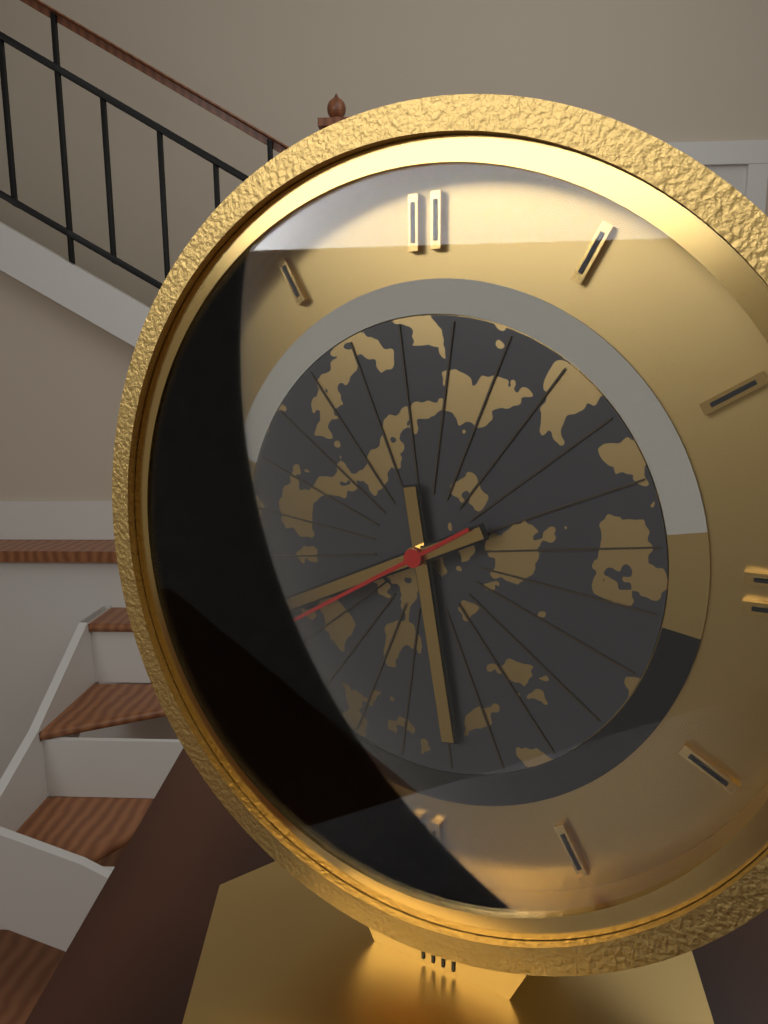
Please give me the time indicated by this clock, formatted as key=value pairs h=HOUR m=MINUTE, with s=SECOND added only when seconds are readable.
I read h=5 m=41 s=40
